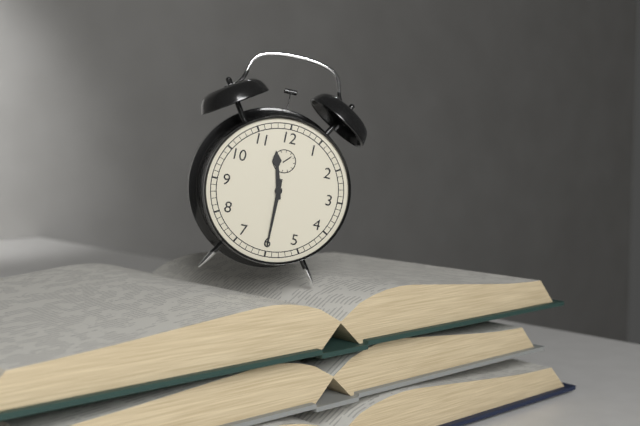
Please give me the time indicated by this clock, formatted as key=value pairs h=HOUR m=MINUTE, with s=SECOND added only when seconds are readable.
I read h=11 m=30
